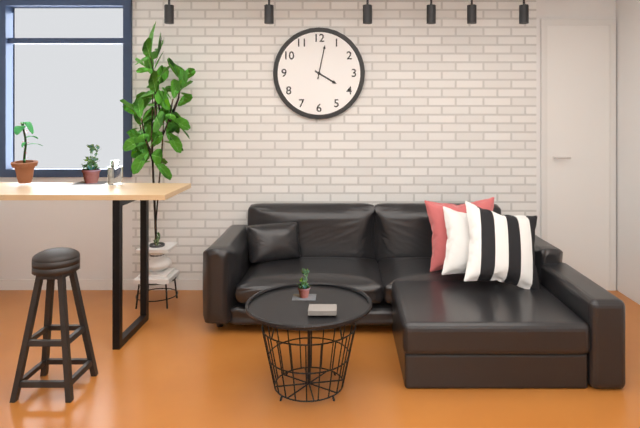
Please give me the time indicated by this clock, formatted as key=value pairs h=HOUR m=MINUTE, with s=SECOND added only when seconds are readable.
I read h=4 m=2
